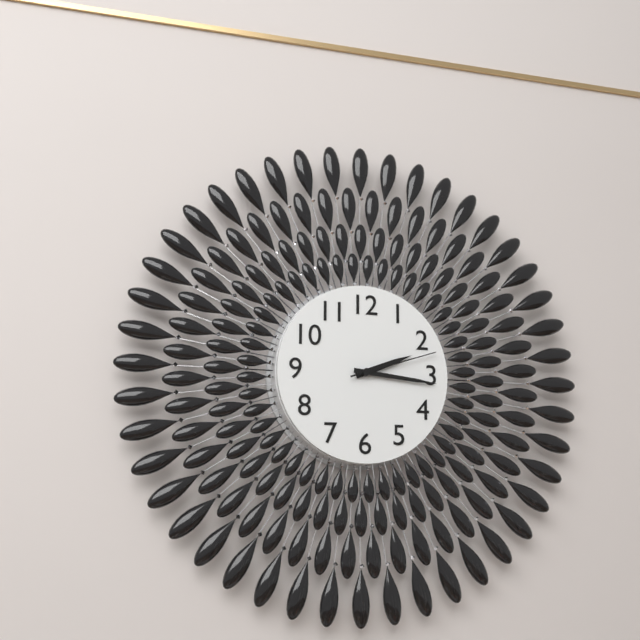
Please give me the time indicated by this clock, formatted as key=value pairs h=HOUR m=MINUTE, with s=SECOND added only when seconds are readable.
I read h=2 m=16 s=12
